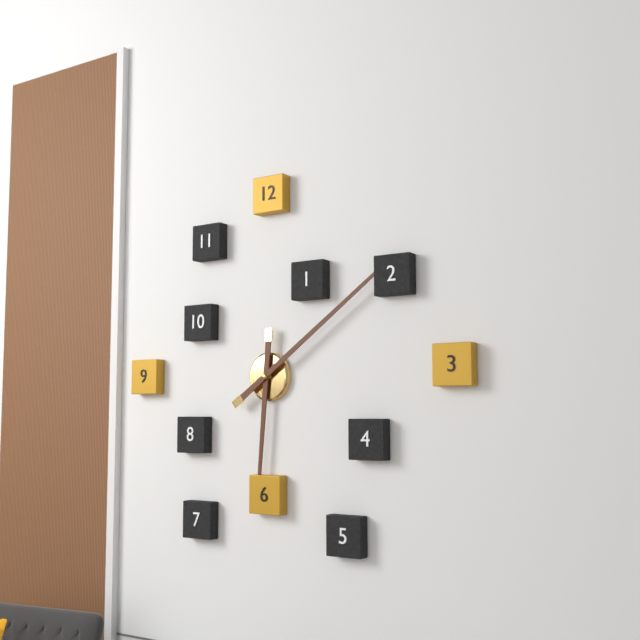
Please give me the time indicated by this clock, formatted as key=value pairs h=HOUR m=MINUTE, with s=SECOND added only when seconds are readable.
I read h=6 m=9
